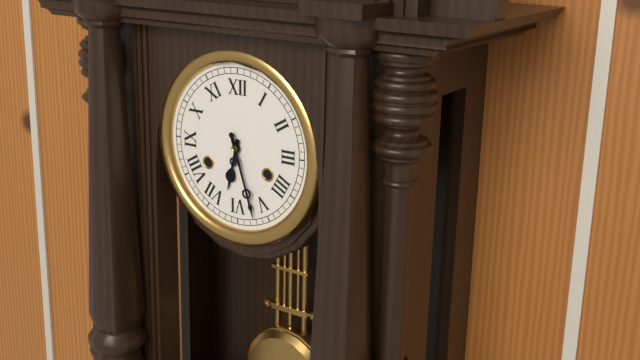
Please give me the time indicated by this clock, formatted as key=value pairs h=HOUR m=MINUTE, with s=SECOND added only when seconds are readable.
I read h=6 m=27
